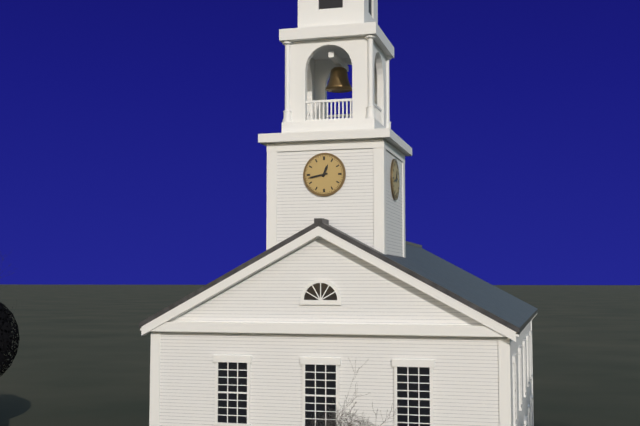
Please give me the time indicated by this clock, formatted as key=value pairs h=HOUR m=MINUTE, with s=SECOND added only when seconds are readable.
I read h=12 m=43
